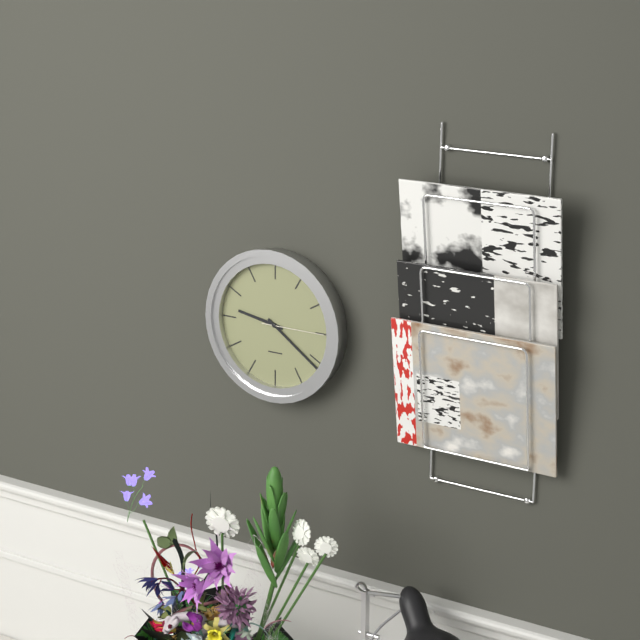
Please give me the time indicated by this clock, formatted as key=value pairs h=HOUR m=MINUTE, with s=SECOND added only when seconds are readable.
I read h=9 m=21 s=15
